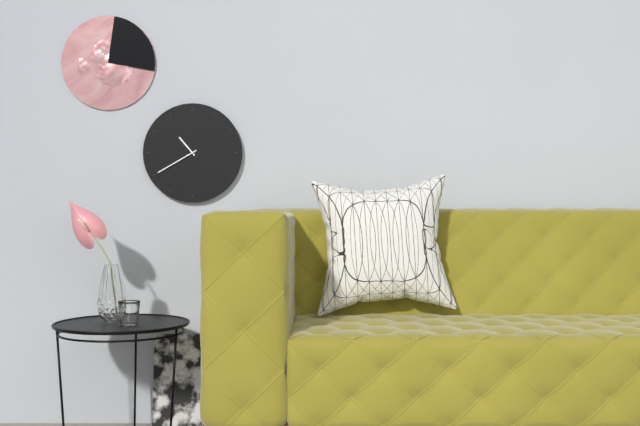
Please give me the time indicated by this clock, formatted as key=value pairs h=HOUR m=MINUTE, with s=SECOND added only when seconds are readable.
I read h=10 m=40
